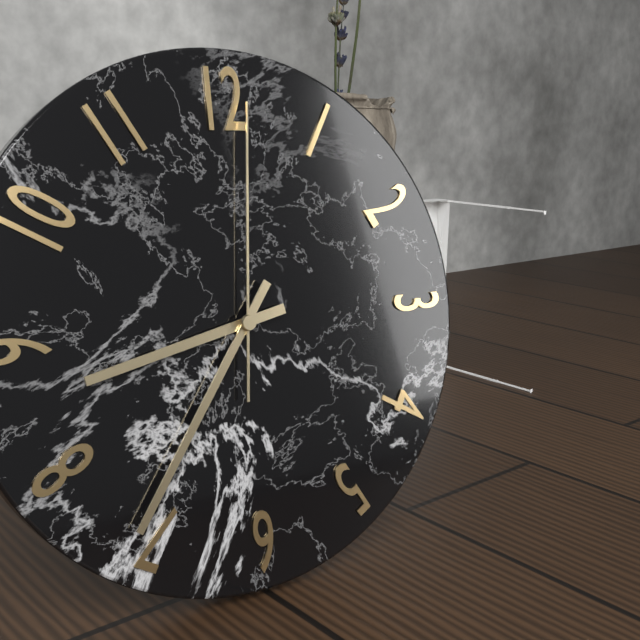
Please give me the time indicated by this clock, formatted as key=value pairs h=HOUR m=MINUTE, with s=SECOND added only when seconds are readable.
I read h=8 m=36 s=1
